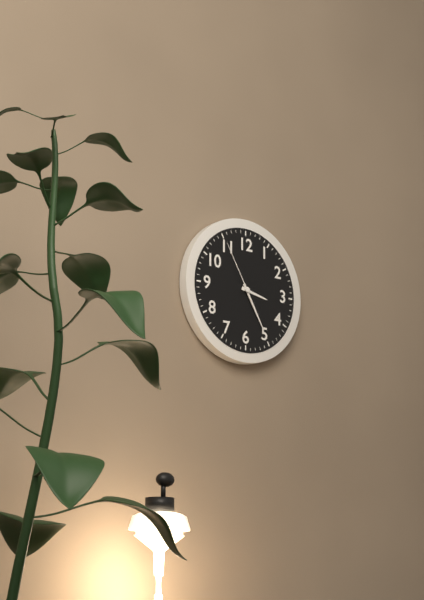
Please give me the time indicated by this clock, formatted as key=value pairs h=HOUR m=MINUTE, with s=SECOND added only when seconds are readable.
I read h=3 m=25 s=55
